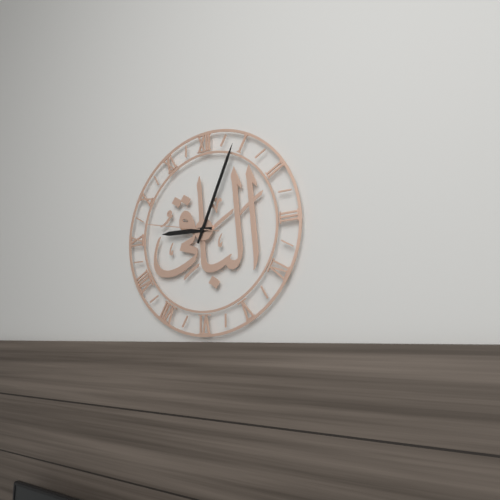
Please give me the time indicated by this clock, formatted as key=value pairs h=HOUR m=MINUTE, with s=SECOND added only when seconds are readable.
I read h=9 m=4 s=47
